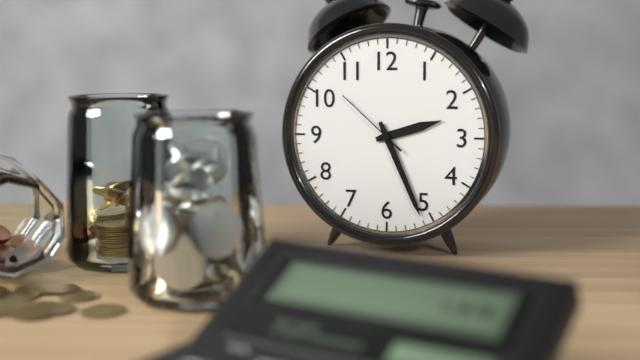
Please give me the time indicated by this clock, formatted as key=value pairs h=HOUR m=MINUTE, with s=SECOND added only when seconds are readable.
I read h=2 m=26 s=52
